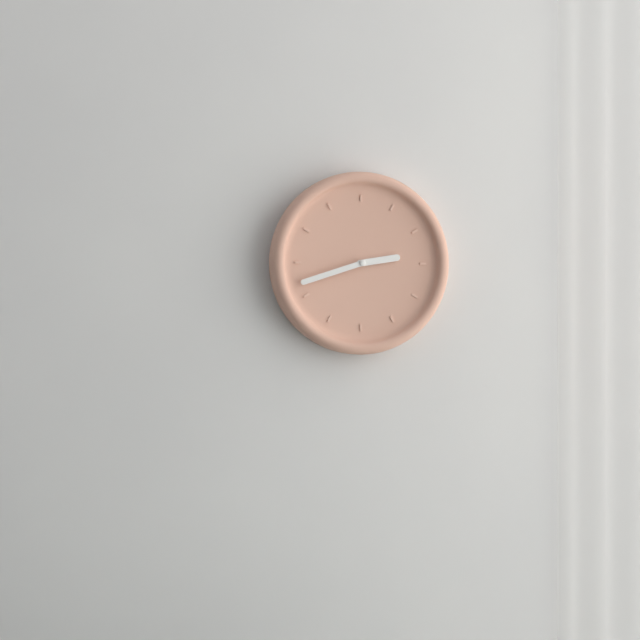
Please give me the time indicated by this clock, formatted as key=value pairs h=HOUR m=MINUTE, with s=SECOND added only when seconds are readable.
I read h=2 m=42
